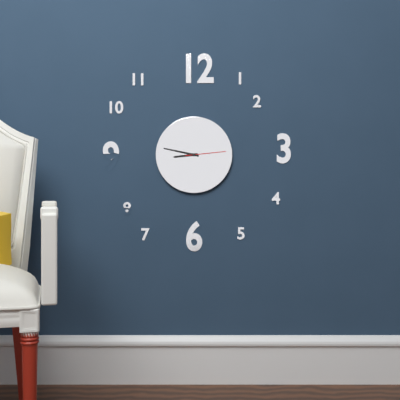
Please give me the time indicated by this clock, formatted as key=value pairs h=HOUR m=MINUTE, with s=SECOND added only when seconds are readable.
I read h=8 m=47
